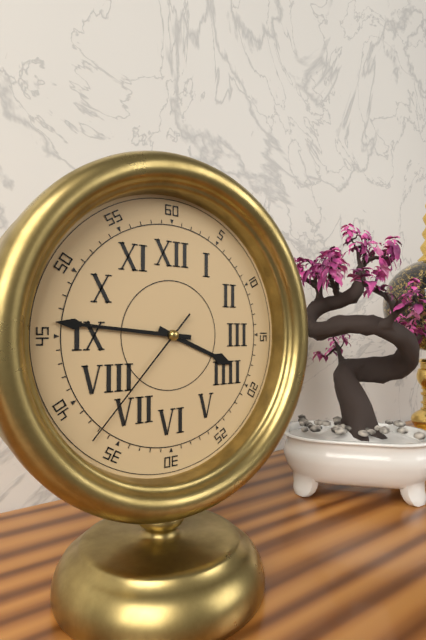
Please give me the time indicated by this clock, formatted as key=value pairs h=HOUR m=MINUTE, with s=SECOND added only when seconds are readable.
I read h=3 m=46 s=37
